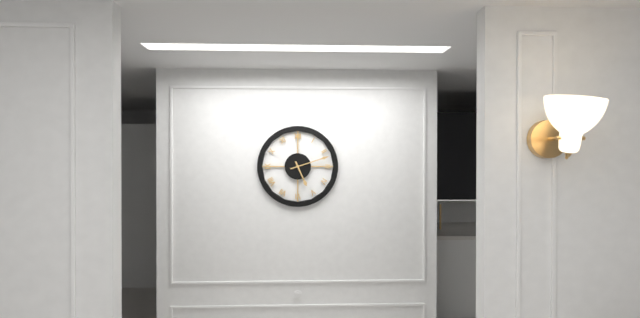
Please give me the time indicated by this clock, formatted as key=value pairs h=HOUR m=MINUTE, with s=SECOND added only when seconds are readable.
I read h=5 m=12
